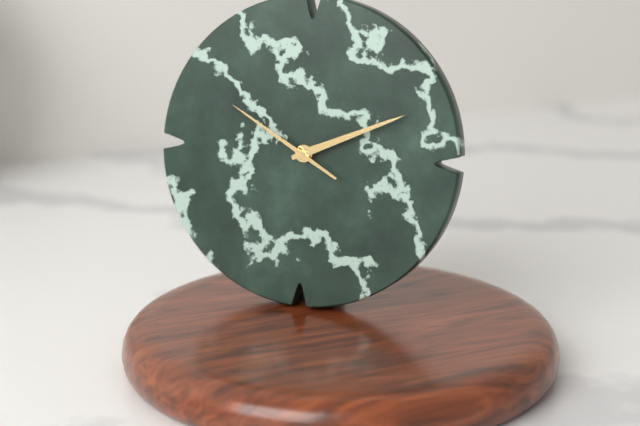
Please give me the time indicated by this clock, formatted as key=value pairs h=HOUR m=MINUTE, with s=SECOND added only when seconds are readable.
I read h=2 m=11 s=50
